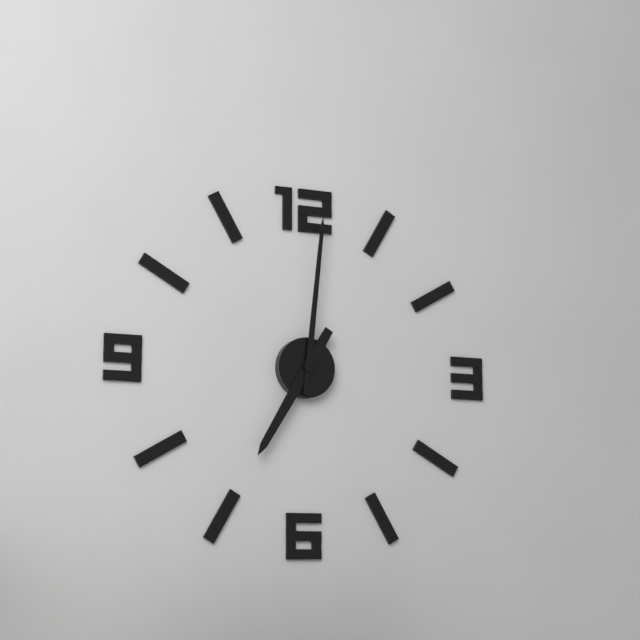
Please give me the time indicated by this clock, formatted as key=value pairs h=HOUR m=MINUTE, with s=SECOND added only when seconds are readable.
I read h=7 m=1
